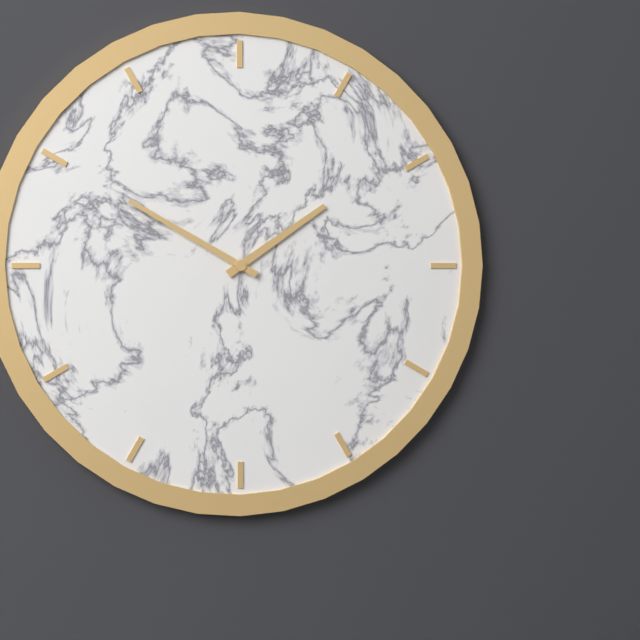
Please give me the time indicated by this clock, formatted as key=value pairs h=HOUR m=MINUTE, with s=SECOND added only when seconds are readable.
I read h=1 m=50
